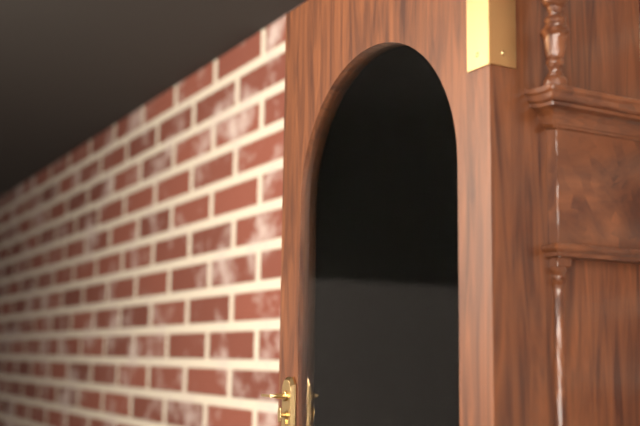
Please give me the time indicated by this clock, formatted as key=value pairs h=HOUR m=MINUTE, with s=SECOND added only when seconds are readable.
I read h=2 m=24
